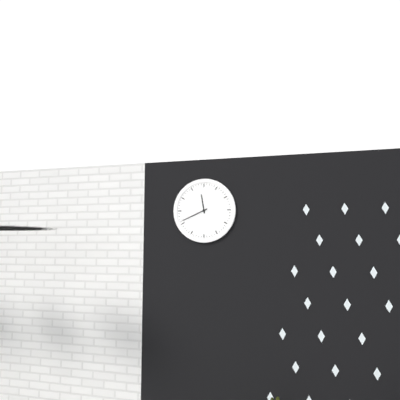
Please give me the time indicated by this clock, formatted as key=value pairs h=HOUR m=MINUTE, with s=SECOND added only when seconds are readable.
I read h=11 m=41
